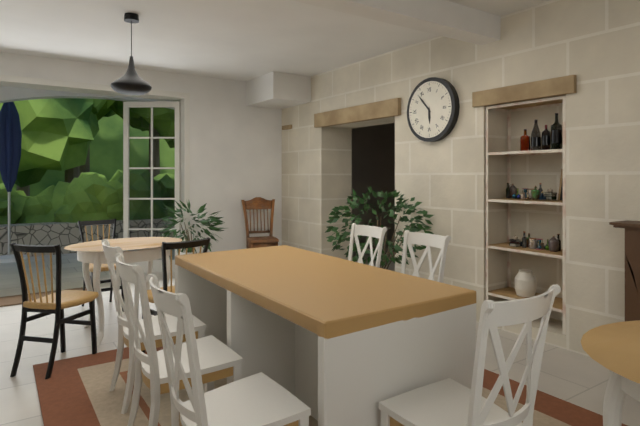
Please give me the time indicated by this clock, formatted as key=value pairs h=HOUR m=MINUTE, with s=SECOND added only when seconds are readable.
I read h=5 m=53
